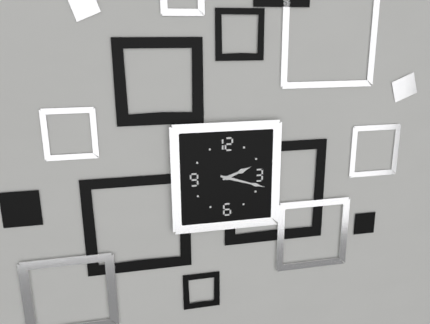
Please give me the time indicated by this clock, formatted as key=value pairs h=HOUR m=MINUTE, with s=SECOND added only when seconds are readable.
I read h=2 m=18
